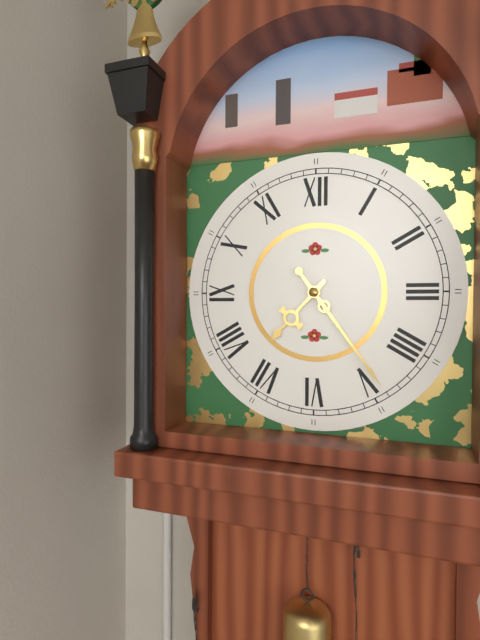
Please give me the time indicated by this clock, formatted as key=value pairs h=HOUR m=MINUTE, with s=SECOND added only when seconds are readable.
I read h=7 m=24
